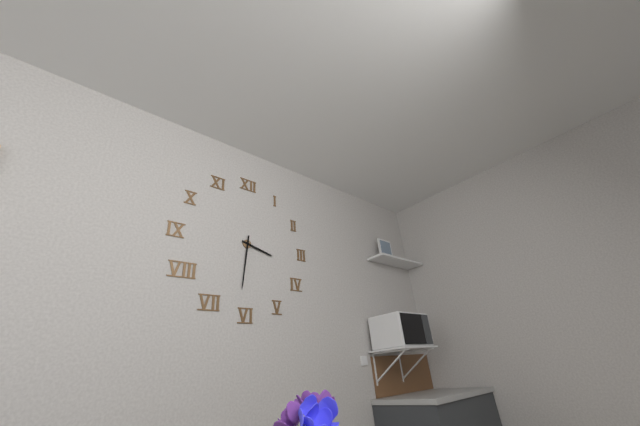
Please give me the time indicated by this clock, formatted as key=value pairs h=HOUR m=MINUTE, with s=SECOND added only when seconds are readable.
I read h=3 m=31
